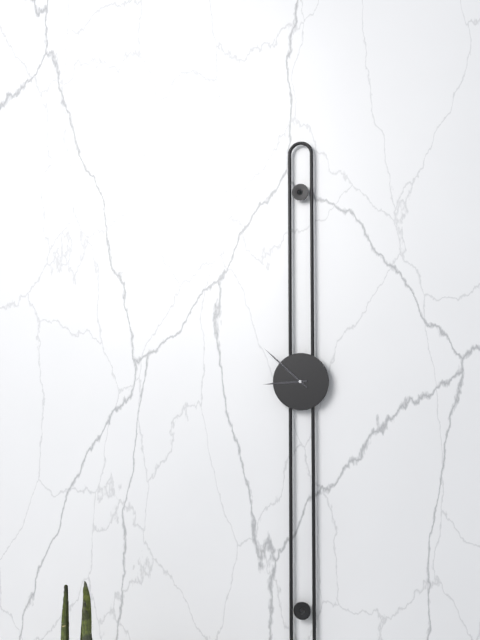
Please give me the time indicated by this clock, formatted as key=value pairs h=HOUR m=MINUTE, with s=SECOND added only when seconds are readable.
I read h=8 m=52
